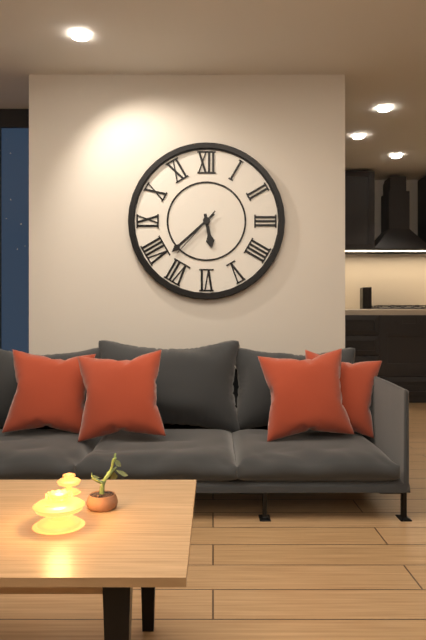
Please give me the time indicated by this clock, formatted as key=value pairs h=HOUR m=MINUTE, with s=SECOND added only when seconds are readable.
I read h=5 m=38 s=37
